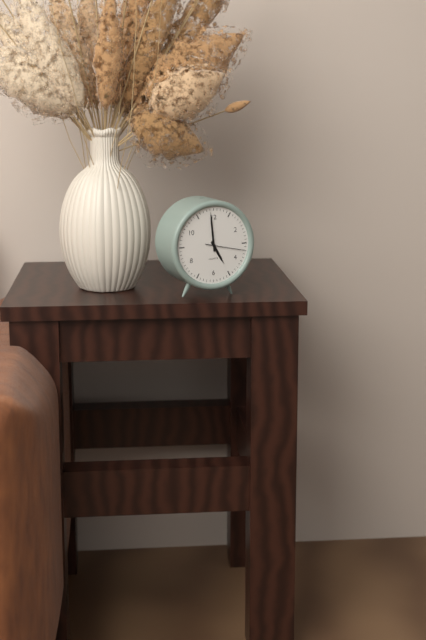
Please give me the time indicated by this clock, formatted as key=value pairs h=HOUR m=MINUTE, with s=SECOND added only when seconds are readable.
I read h=4 m=59
